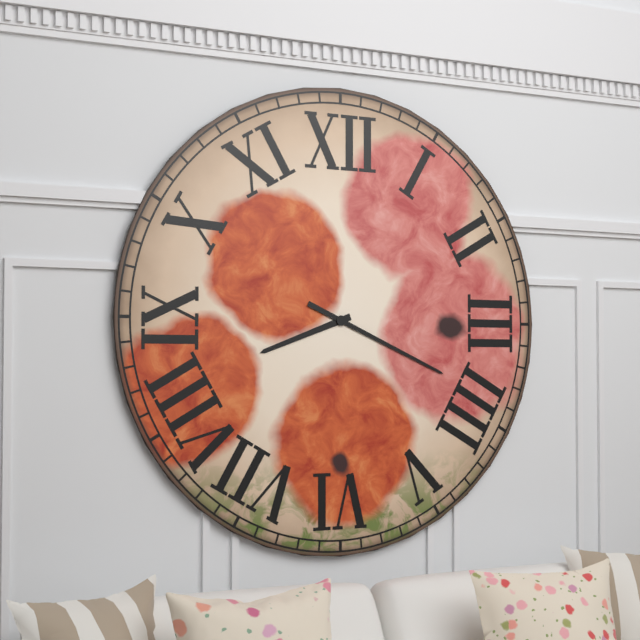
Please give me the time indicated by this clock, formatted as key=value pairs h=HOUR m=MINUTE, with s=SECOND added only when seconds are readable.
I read h=8 m=19
